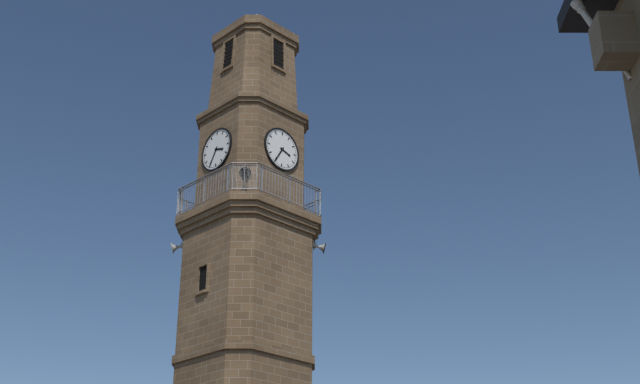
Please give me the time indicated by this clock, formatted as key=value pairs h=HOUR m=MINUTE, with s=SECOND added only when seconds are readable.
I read h=3 m=35
